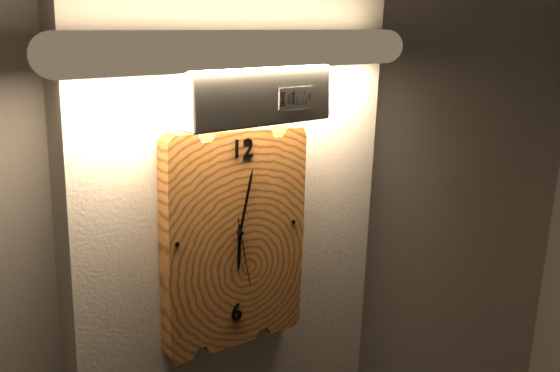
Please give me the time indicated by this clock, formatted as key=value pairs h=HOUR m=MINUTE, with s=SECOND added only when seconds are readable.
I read h=6 m=2 s=28
